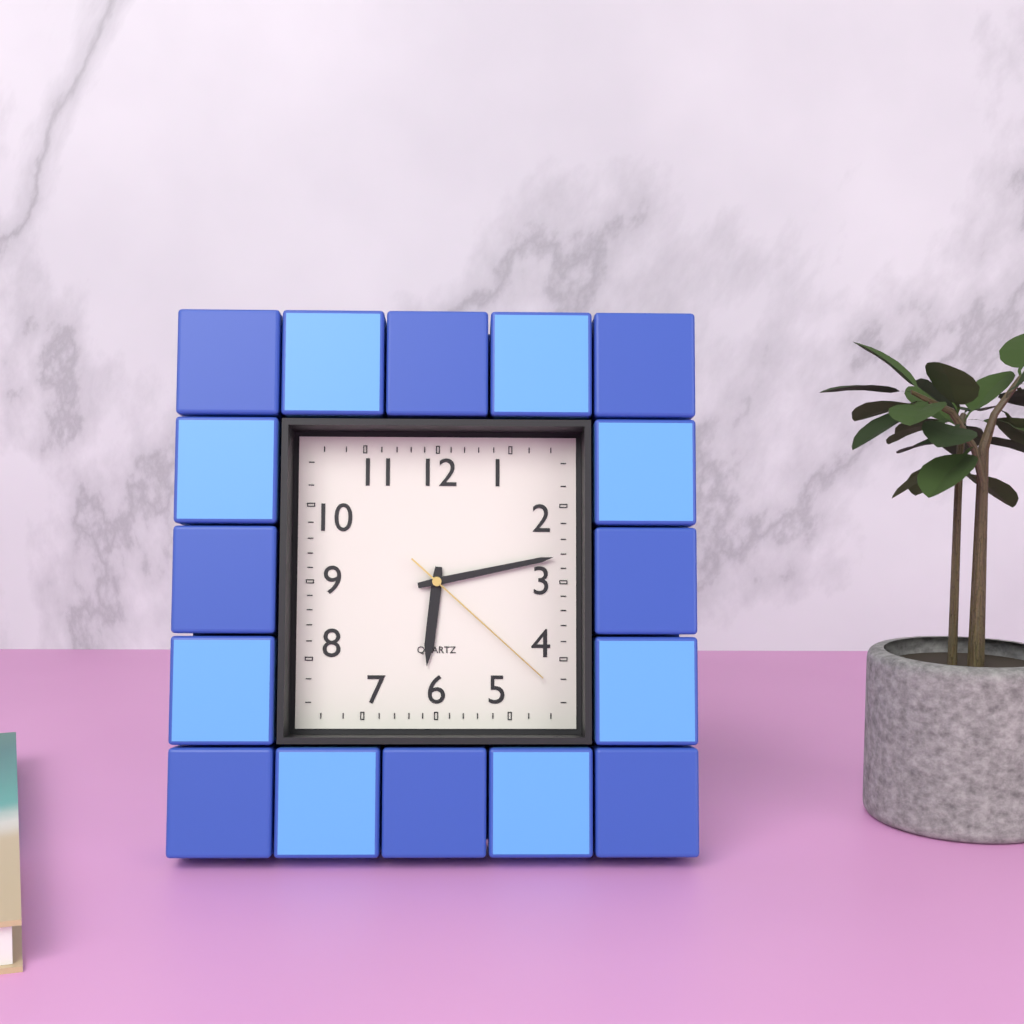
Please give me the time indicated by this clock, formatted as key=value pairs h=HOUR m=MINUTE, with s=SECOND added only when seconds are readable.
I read h=6 m=13 s=22
